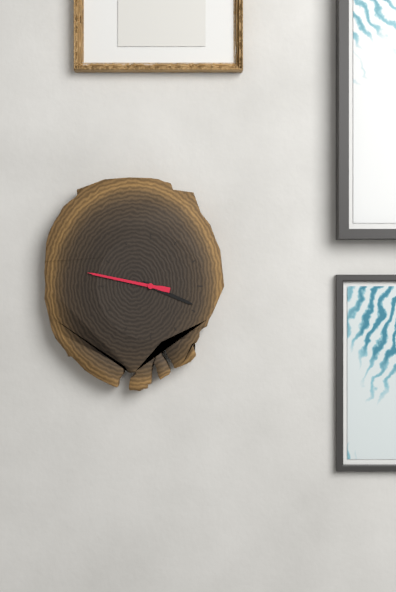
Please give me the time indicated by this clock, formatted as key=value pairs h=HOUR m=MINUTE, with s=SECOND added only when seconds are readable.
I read h=3 m=47
